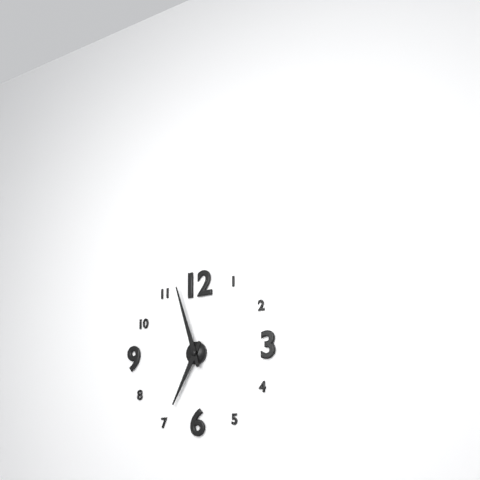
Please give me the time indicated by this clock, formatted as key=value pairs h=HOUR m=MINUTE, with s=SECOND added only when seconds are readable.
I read h=6 m=57
